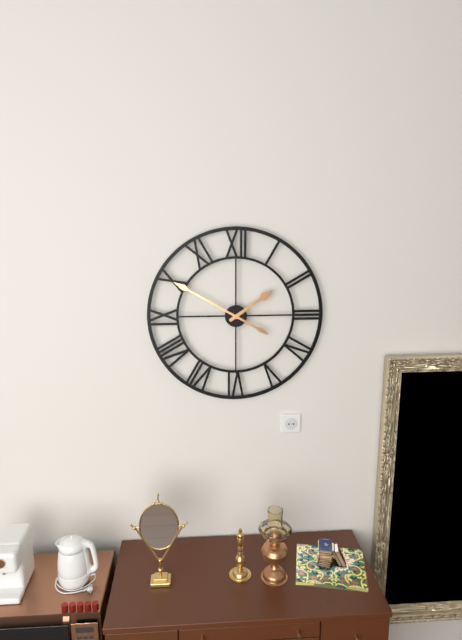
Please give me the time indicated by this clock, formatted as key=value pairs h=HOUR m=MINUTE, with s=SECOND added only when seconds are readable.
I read h=1 m=50
